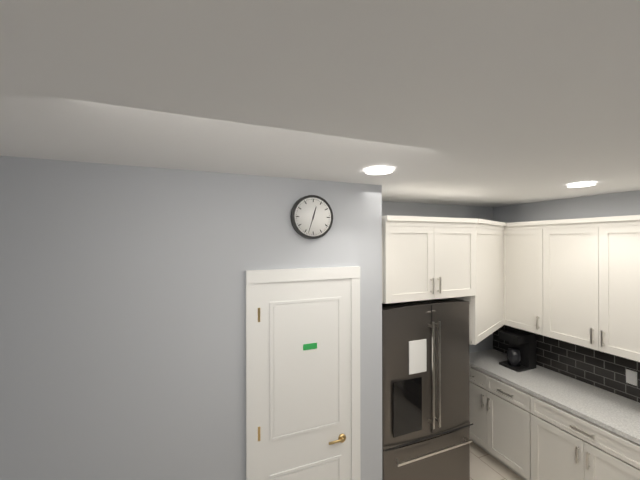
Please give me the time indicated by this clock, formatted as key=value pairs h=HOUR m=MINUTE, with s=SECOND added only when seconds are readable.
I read h=12 m=33
